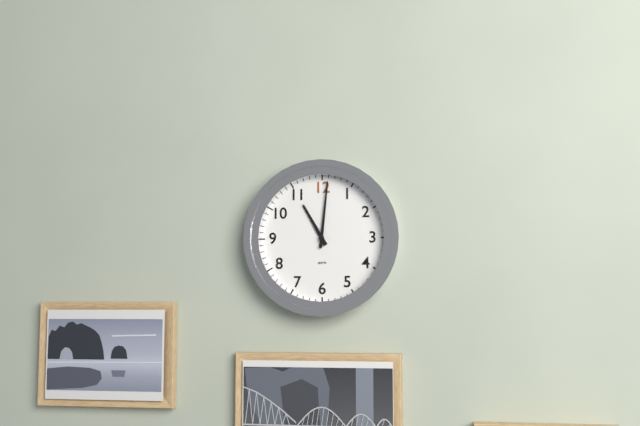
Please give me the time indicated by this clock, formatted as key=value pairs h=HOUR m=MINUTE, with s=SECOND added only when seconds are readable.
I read h=11 m=1
